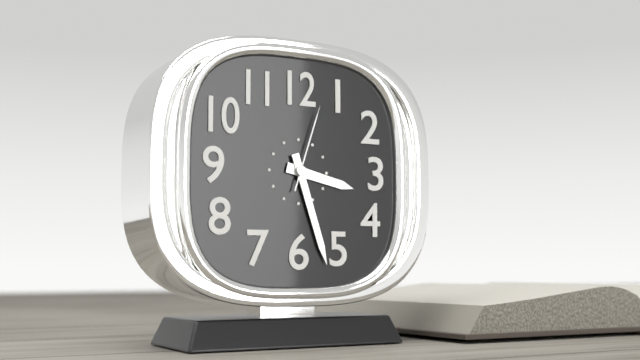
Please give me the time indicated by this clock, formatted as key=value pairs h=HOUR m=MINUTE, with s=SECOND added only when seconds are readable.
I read h=3 m=27 s=3
